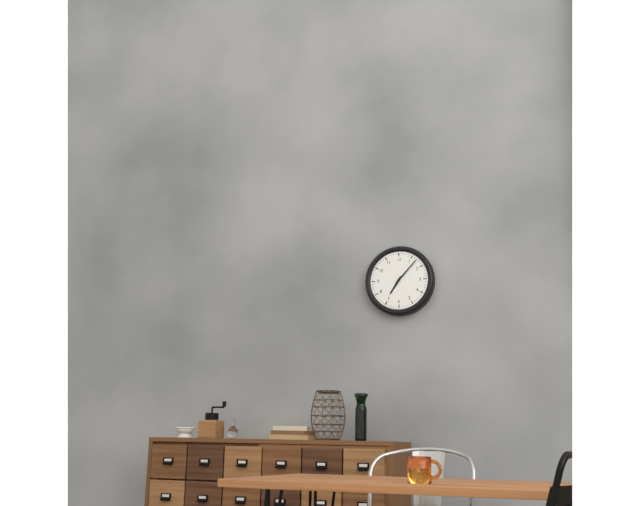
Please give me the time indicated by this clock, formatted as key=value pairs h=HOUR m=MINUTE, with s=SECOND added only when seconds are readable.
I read h=7 m=7
